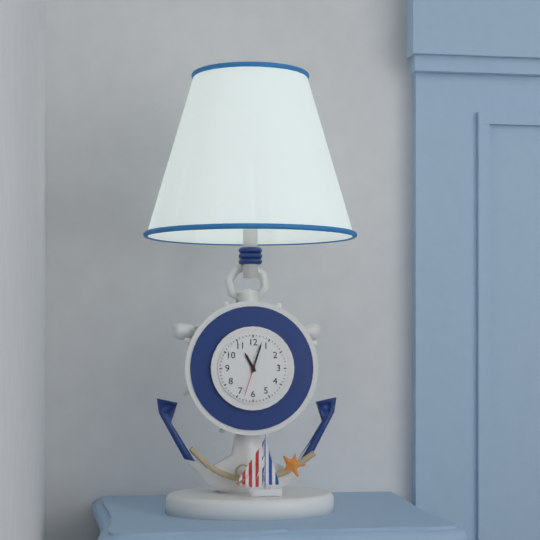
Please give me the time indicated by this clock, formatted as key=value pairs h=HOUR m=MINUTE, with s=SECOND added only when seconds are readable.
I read h=11 m=3
